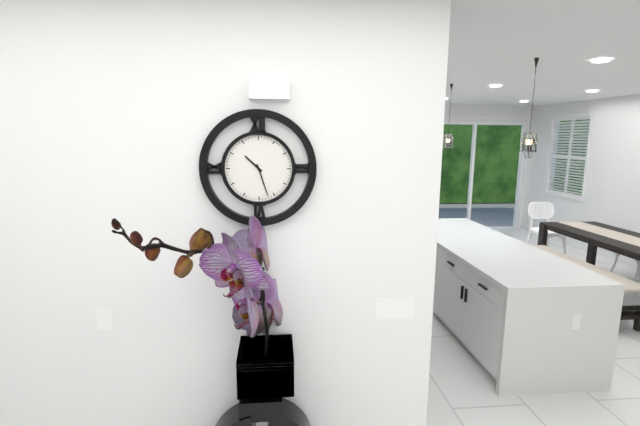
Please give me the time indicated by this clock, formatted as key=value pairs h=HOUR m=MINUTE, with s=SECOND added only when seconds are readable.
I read h=10 m=27
